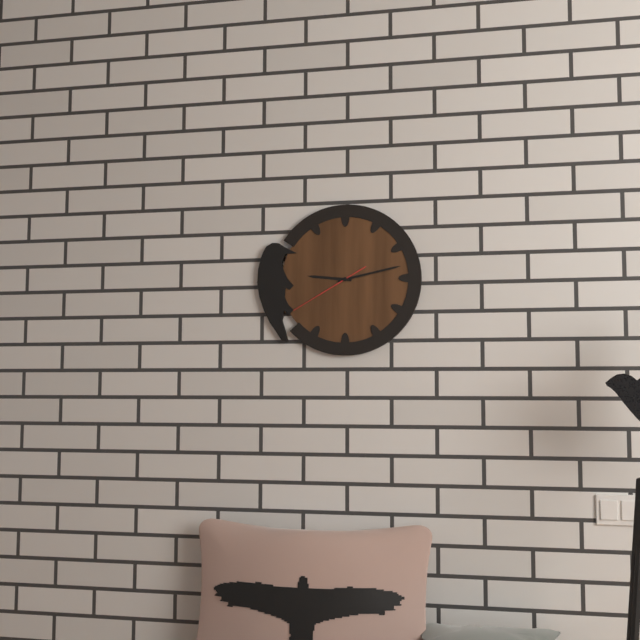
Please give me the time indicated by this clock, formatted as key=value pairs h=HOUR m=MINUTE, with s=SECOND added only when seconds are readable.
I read h=9 m=13 s=40
